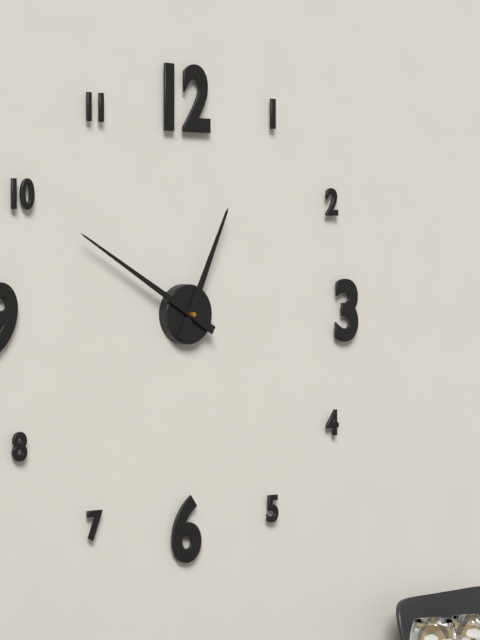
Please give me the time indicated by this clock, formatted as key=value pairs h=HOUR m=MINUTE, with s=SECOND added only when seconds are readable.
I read h=12 m=50
